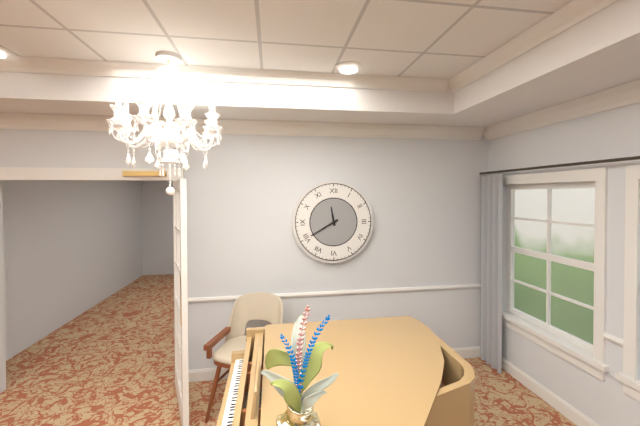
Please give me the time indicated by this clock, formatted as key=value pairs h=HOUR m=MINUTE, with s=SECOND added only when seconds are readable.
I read h=11 m=40
